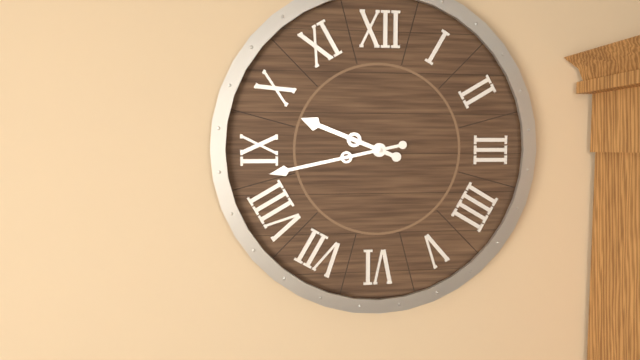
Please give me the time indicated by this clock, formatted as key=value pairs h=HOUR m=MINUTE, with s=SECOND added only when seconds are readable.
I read h=9 m=43
